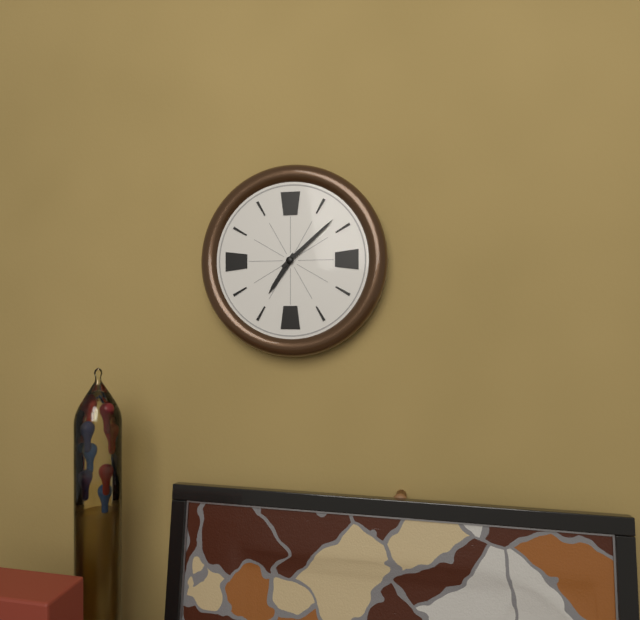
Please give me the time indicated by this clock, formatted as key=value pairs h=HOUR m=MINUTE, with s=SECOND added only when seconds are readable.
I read h=7 m=8
